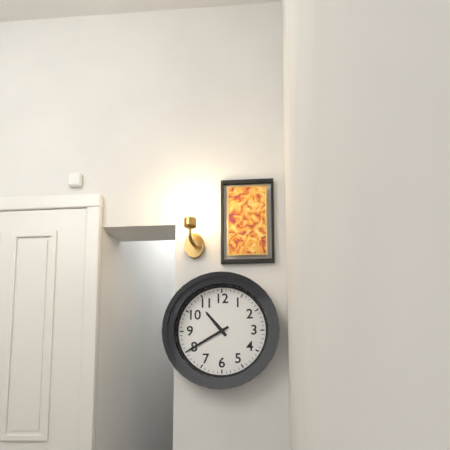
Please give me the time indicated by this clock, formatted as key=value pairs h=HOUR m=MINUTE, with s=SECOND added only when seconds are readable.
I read h=10 m=40
